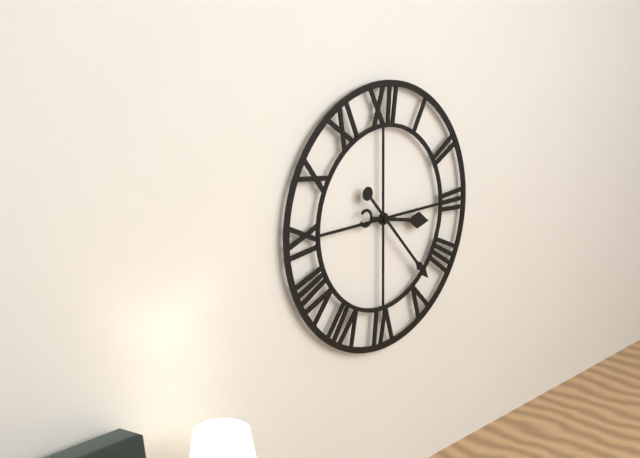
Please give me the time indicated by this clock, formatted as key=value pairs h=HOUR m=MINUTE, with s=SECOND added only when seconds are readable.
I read h=3 m=23
